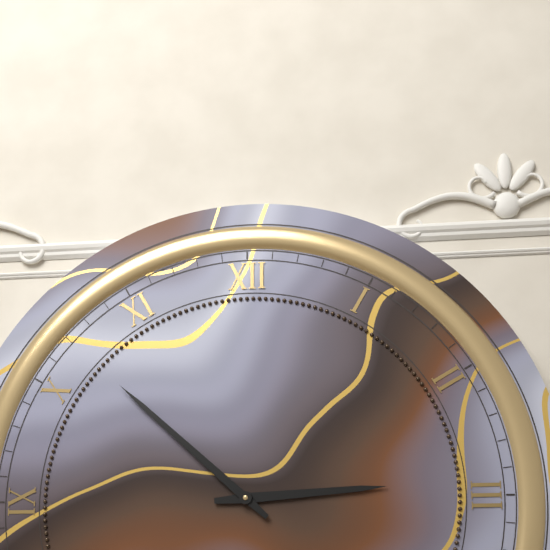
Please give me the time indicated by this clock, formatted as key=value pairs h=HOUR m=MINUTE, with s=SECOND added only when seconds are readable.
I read h=2 m=52
